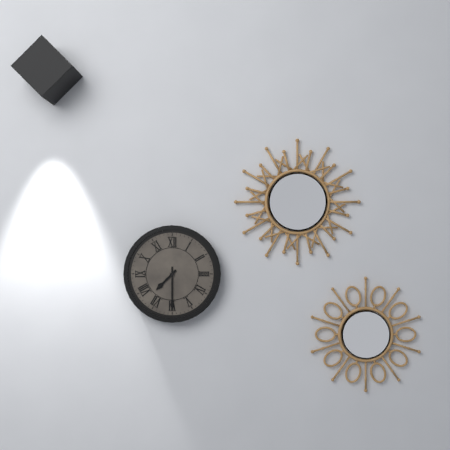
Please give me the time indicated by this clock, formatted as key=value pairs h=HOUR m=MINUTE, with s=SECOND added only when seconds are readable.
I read h=7 m=30
